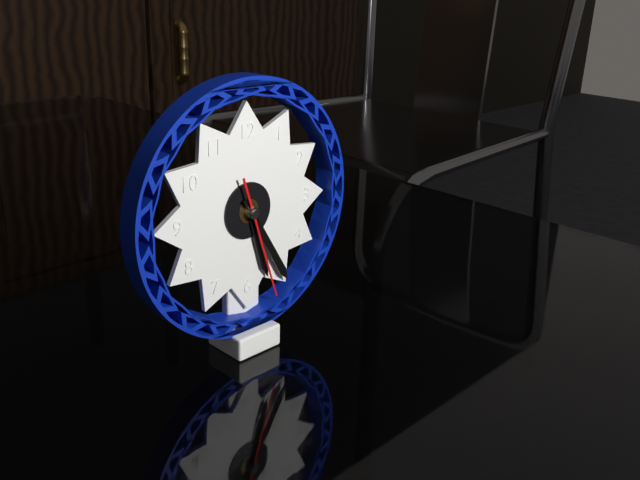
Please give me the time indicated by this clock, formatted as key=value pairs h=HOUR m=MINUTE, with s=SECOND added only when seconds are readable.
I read h=5 m=25 s=27
